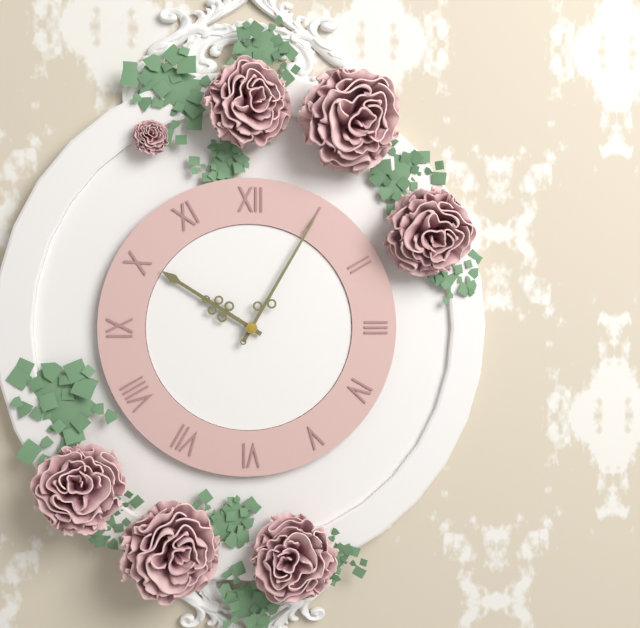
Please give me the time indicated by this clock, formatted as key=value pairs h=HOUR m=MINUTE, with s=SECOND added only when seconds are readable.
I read h=10 m=5
